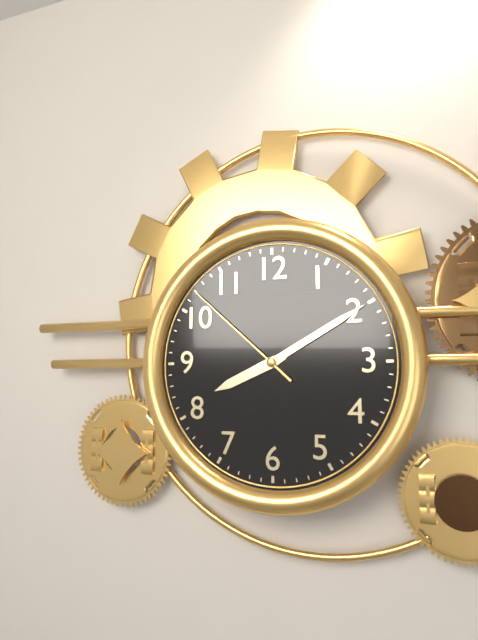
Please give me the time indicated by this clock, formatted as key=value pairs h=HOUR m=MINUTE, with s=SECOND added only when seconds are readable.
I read h=8 m=10 s=52
